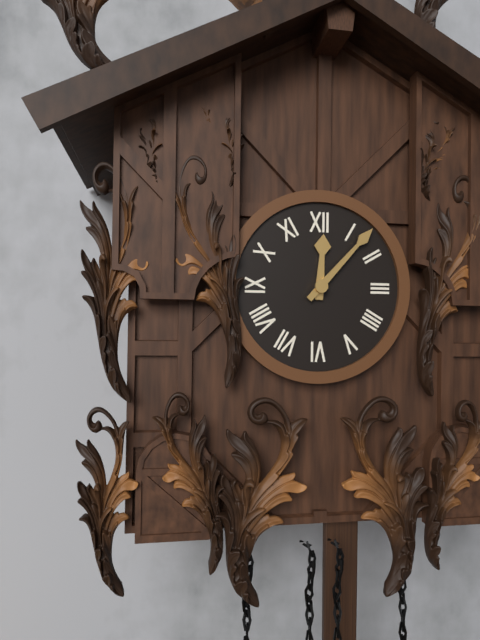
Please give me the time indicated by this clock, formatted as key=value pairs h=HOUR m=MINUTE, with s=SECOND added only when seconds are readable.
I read h=12 m=7
